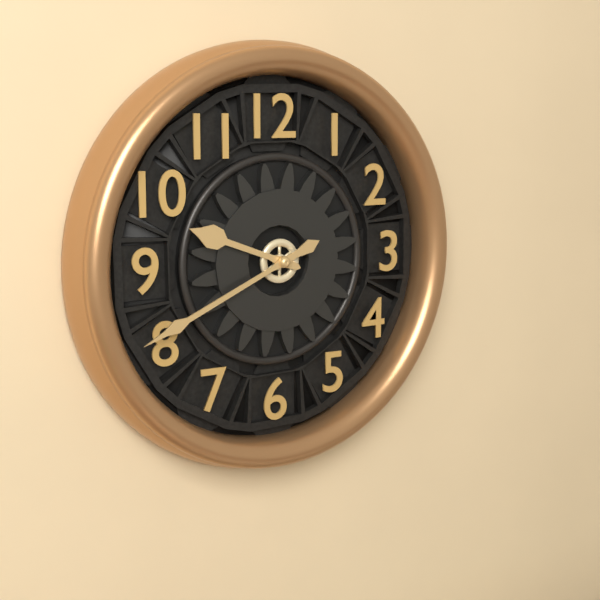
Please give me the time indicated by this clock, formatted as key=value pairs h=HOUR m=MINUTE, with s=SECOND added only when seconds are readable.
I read h=9 m=41
